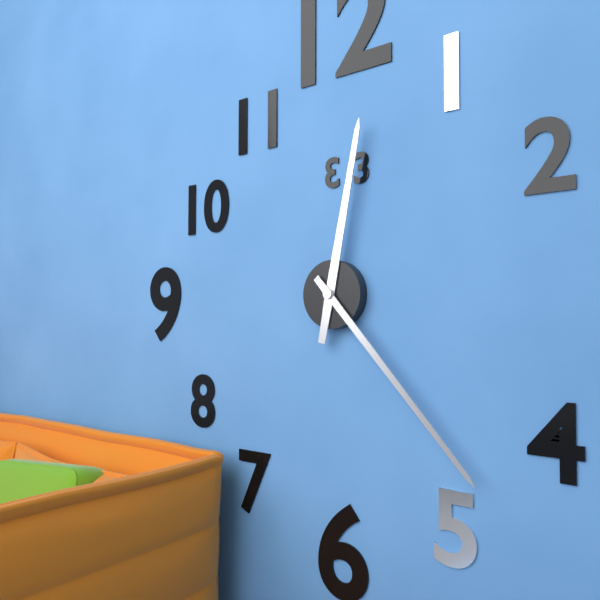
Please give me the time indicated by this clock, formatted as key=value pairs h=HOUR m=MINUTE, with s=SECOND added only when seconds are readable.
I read h=12 m=23
